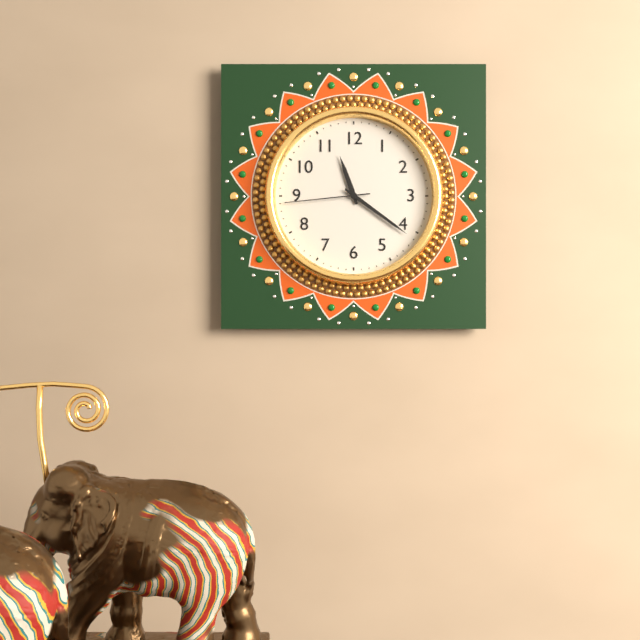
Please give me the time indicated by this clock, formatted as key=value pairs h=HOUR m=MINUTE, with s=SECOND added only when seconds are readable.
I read h=11 m=21 s=44
